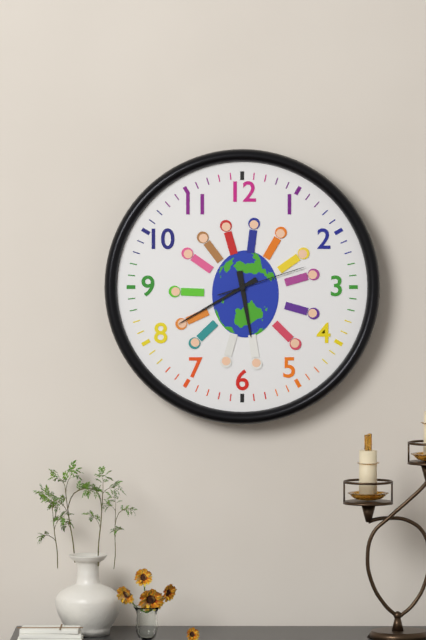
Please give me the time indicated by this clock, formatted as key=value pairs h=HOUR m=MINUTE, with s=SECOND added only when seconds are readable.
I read h=5 m=40 s=12
